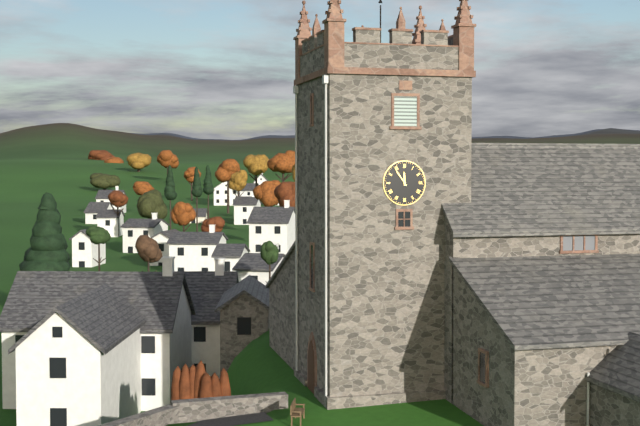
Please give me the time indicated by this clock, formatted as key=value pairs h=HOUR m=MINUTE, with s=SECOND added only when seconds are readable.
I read h=11 m=54
